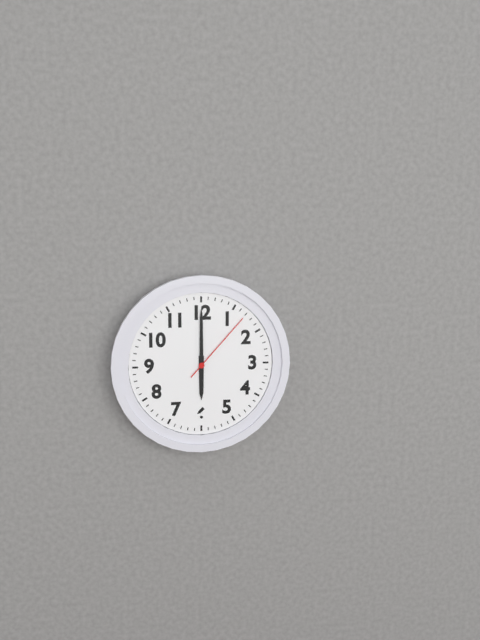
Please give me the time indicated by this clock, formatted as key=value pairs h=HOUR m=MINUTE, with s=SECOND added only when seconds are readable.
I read h=6 m=0 s=7
